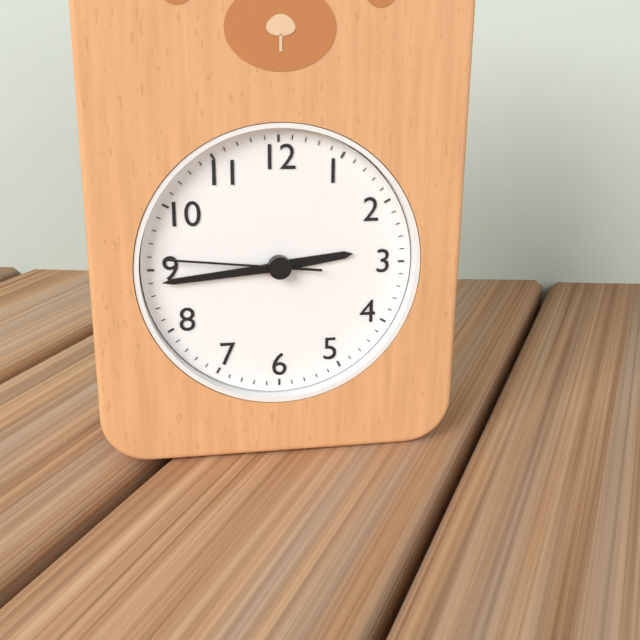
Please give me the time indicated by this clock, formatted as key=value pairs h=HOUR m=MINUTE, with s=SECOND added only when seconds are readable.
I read h=2 m=44 s=46
